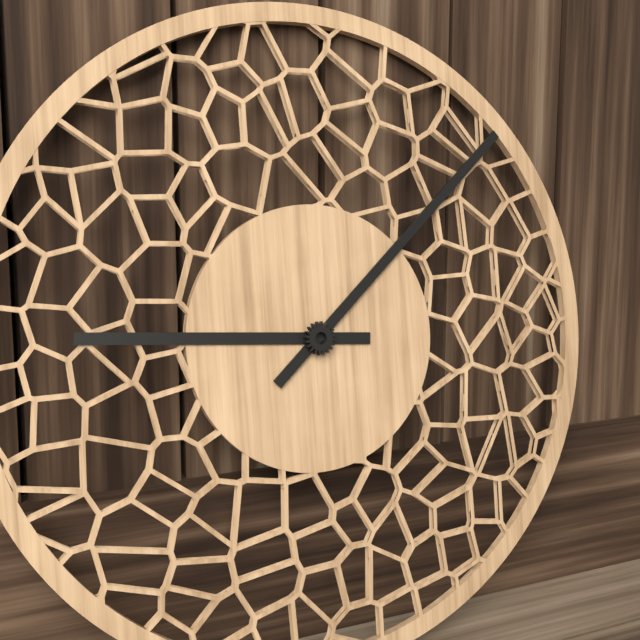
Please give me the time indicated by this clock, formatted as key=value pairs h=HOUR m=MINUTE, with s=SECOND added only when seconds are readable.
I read h=9 m=8
